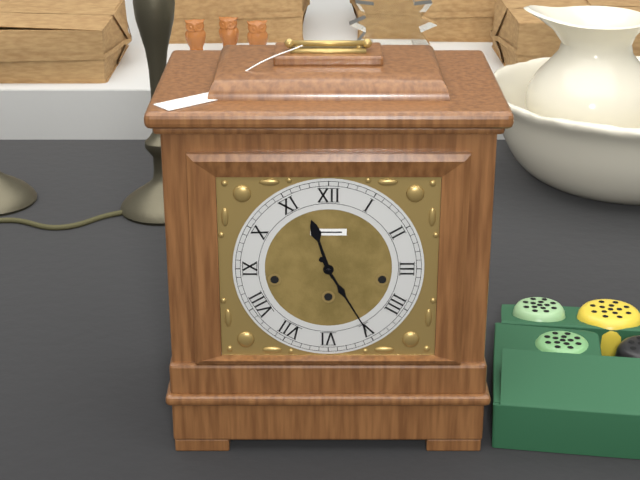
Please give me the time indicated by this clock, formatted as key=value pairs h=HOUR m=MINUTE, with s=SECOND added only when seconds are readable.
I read h=11 m=25
